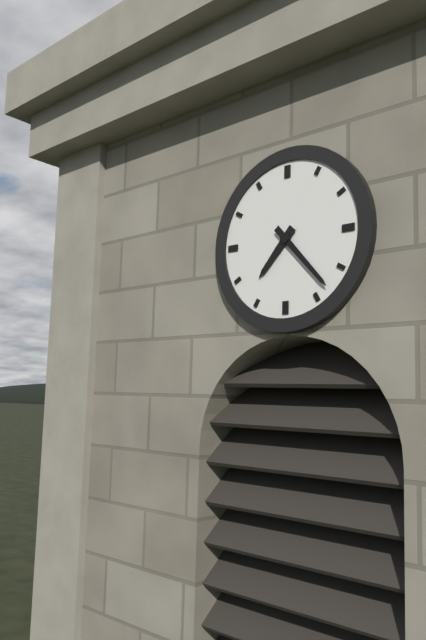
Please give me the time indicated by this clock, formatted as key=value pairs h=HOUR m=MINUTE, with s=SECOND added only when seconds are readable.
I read h=7 m=23
